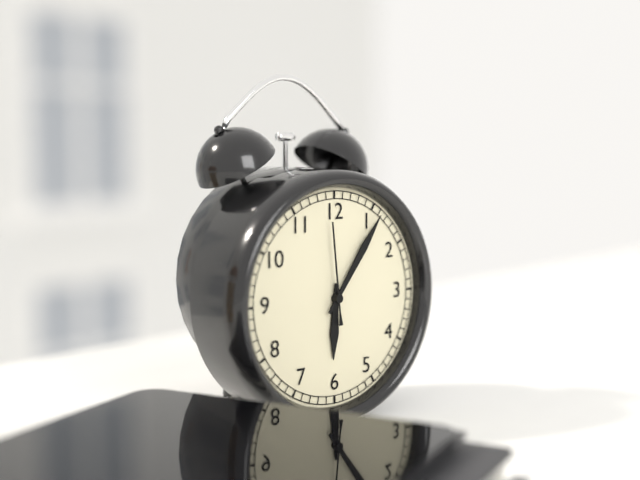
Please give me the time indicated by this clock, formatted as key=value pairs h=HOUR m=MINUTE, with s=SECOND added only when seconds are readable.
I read h=6 m=6 s=59
